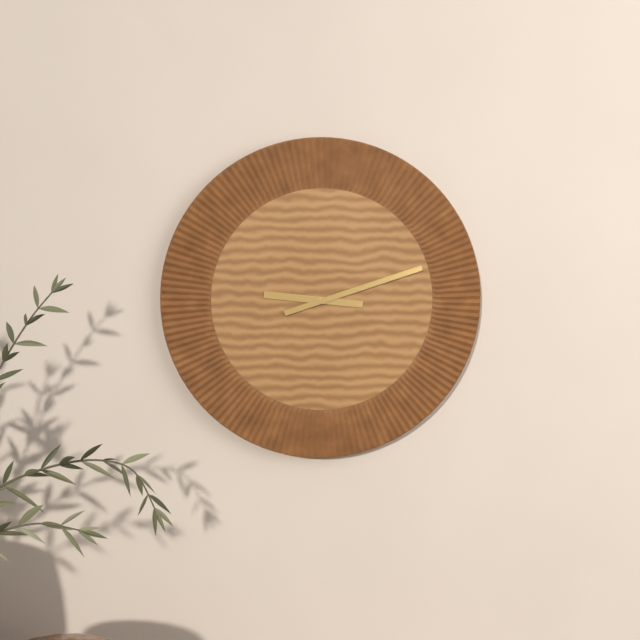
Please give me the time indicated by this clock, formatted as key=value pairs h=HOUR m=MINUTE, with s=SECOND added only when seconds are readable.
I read h=9 m=12
